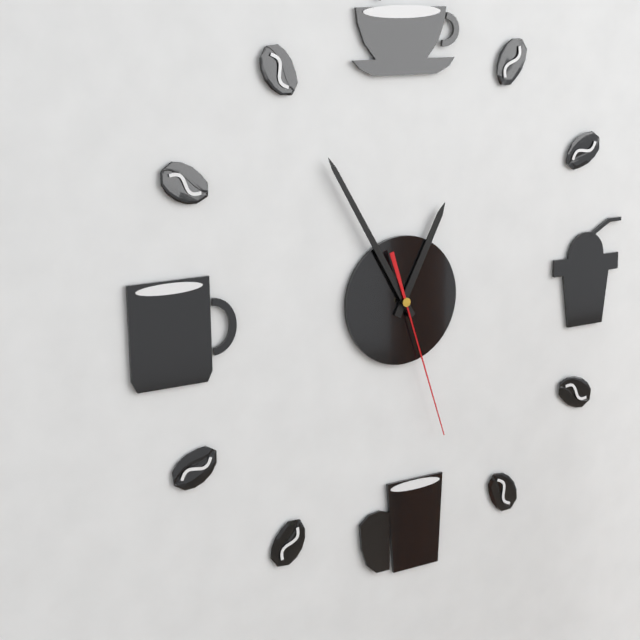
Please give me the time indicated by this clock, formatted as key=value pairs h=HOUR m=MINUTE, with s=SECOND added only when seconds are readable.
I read h=12 m=55 s=27
